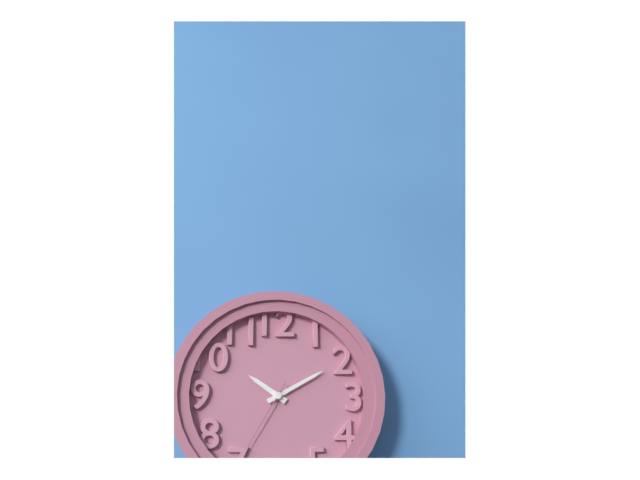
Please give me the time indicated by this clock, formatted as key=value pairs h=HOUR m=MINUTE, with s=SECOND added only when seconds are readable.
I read h=10 m=10 s=35
